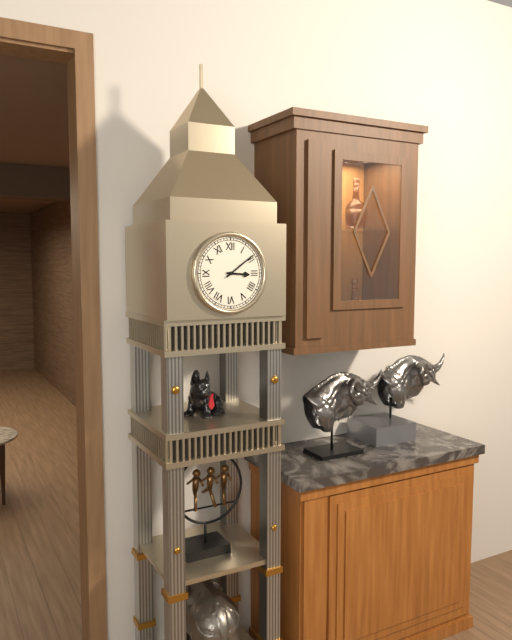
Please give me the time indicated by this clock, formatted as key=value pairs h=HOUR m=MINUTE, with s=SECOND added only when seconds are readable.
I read h=3 m=9
